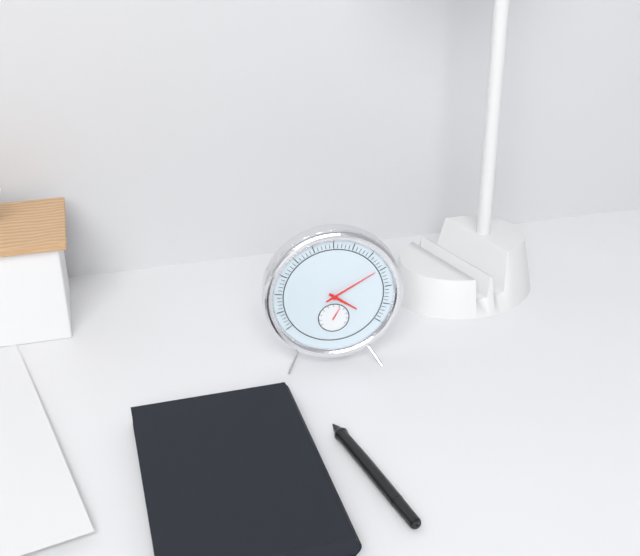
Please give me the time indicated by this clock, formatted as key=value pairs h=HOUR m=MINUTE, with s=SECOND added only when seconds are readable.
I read h=4 m=10
